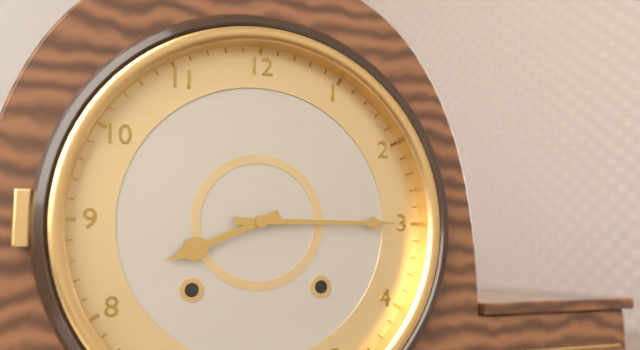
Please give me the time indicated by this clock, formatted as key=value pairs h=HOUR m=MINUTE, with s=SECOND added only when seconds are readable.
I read h=8 m=15
